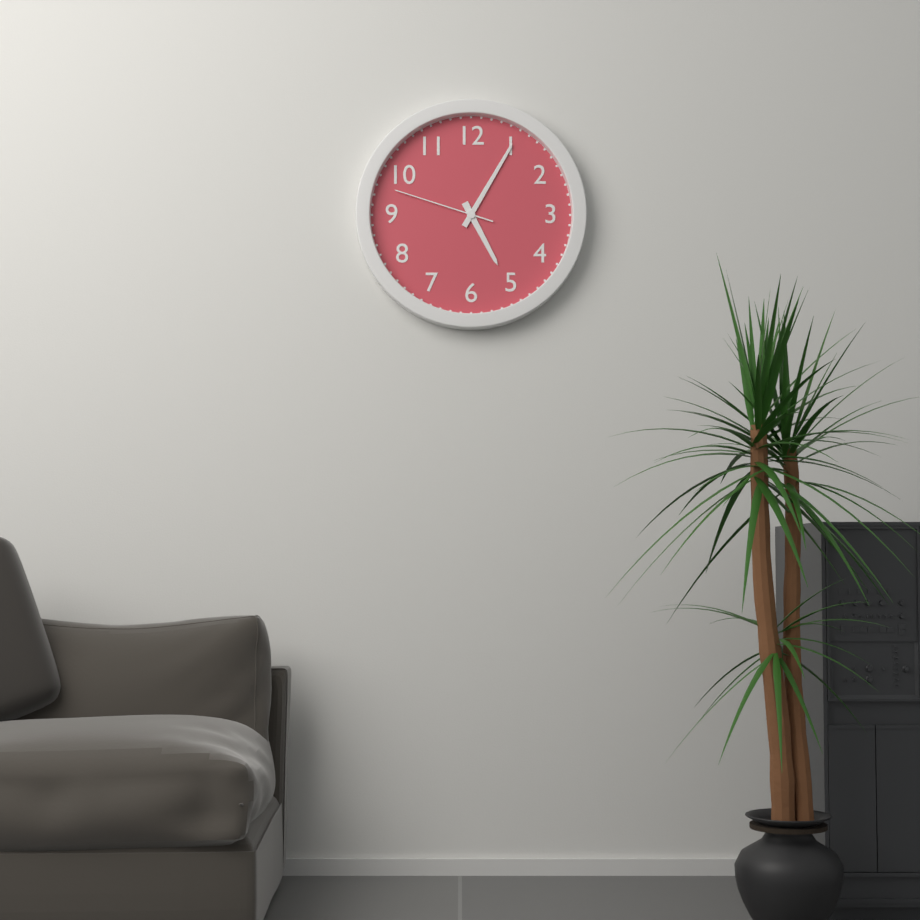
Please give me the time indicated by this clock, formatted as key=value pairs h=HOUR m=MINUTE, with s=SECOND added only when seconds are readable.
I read h=5 m=5 s=48
